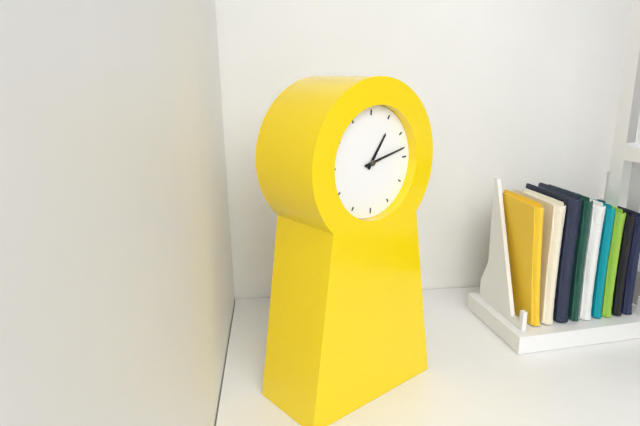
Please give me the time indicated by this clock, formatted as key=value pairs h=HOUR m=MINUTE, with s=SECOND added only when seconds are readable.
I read h=1 m=13
